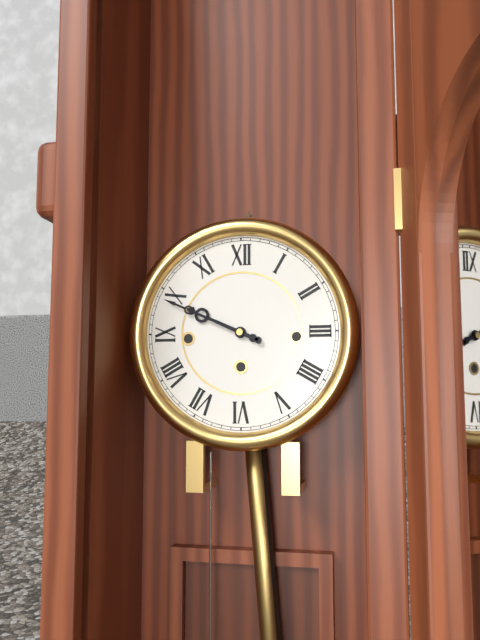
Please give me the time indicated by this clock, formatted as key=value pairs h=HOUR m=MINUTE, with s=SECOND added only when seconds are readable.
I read h=9 m=49
